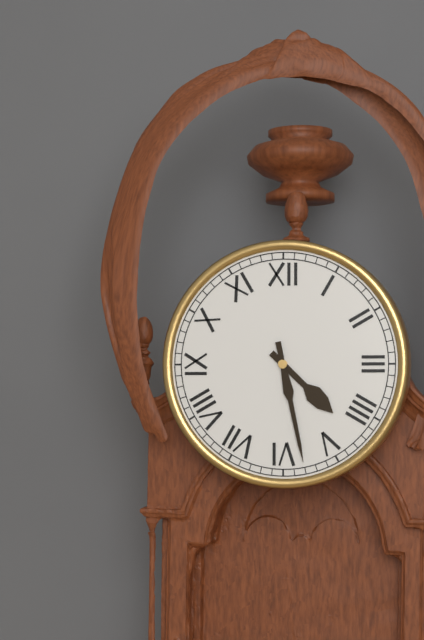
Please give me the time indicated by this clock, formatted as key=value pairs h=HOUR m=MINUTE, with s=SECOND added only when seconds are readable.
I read h=4 m=28
